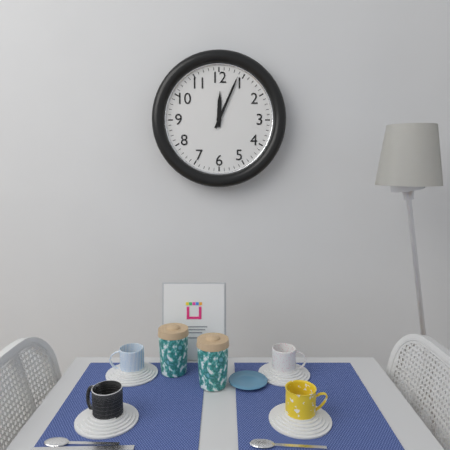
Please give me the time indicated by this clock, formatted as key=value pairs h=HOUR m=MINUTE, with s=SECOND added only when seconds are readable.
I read h=12 m=4
